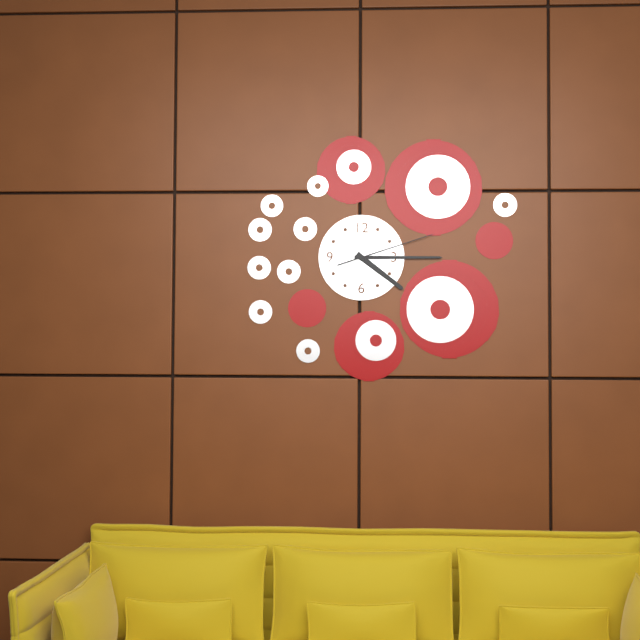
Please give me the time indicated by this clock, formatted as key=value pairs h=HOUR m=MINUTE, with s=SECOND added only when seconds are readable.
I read h=4 m=15 s=12
